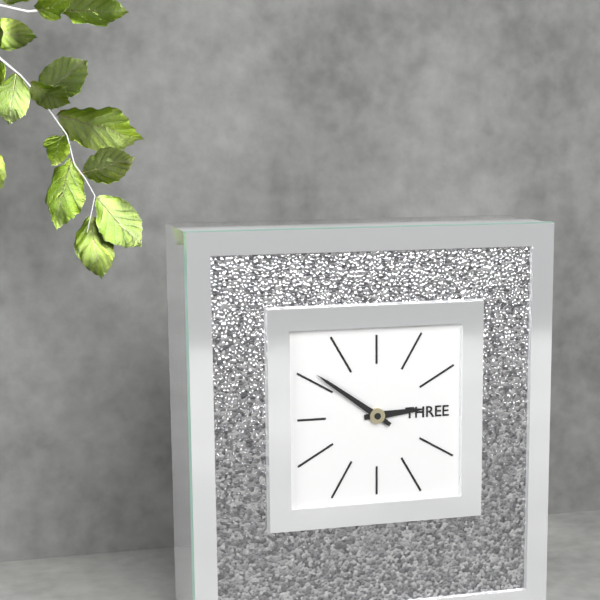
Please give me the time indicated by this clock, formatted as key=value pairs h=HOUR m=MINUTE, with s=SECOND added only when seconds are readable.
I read h=2 m=51
